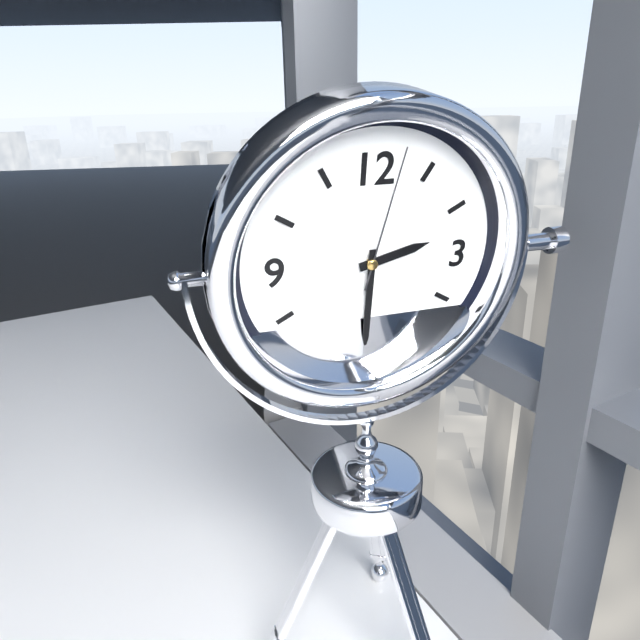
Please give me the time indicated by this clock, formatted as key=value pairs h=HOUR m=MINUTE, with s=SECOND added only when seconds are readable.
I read h=2 m=30 s=2
